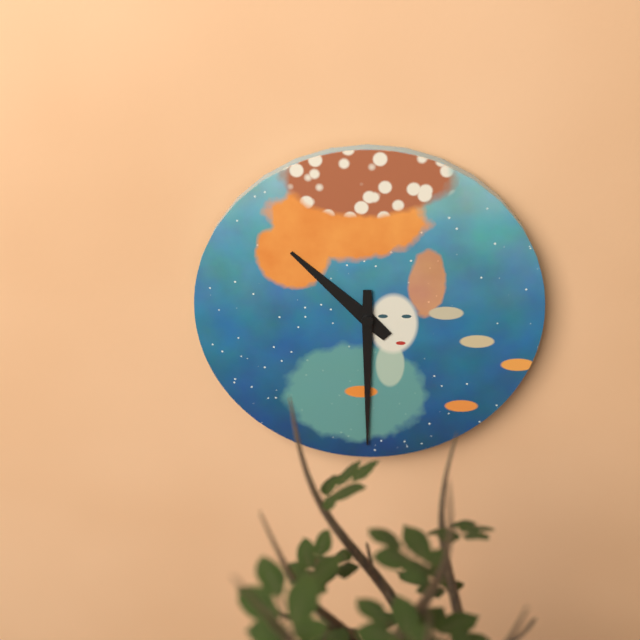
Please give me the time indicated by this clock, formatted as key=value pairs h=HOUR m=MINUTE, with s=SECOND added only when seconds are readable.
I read h=10 m=30
